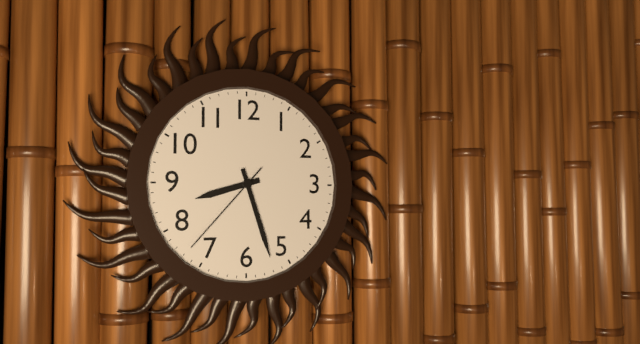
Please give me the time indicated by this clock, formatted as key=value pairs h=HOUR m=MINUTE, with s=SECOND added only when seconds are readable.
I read h=8 m=27 s=37
